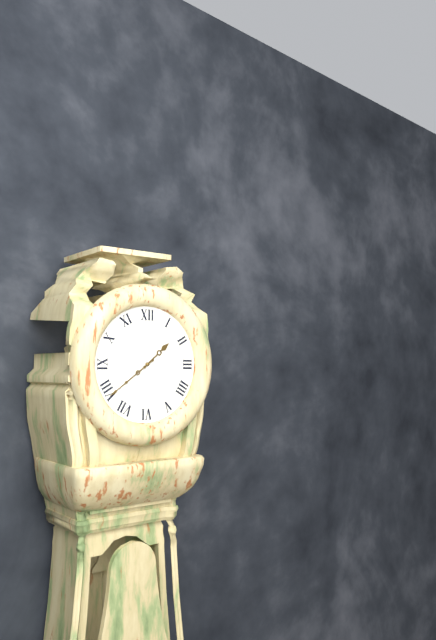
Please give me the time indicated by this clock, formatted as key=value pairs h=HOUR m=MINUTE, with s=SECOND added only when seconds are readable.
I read h=1 m=39
